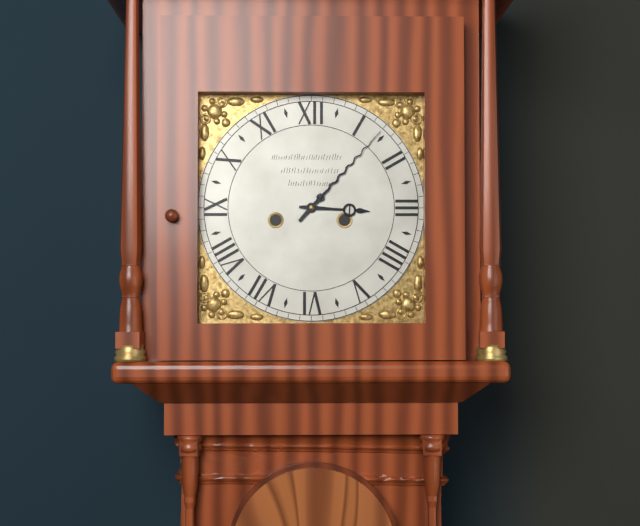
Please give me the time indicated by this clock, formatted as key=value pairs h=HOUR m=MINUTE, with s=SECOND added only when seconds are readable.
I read h=3 m=7
